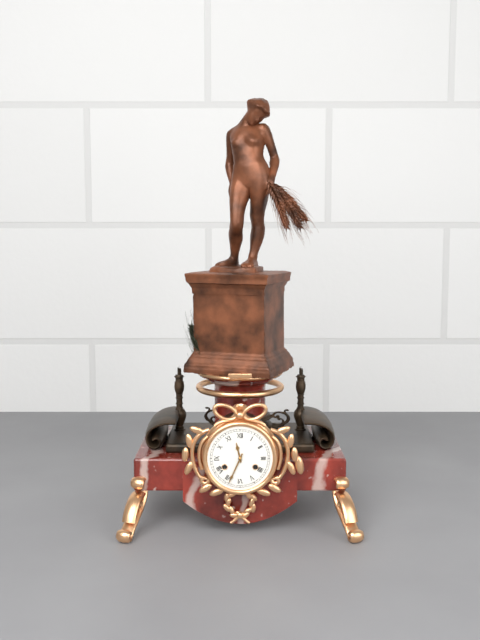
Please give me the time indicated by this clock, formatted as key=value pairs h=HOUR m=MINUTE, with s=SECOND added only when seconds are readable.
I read h=11 m=34
